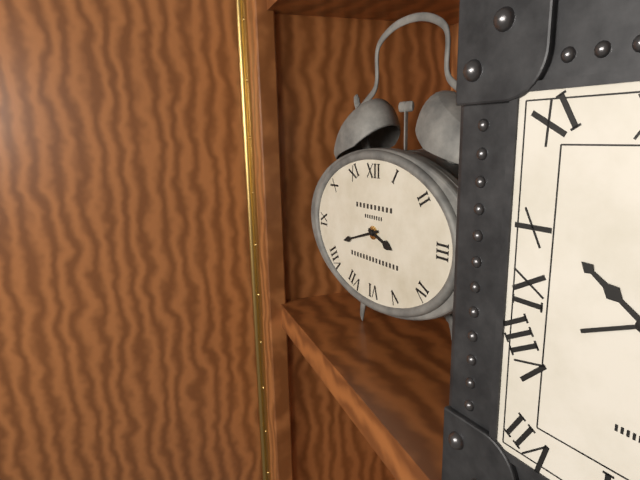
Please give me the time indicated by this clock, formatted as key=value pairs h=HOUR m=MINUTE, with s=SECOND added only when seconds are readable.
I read h=3 m=42
